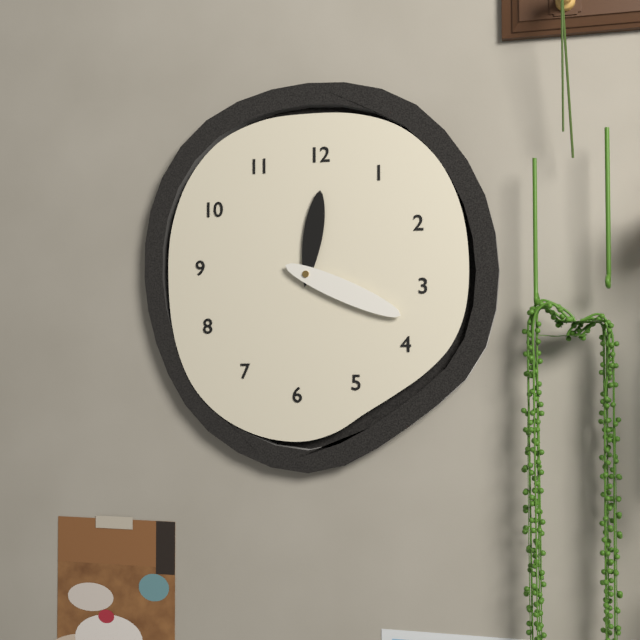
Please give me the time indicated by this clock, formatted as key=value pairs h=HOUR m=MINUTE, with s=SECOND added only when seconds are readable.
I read h=12 m=19
